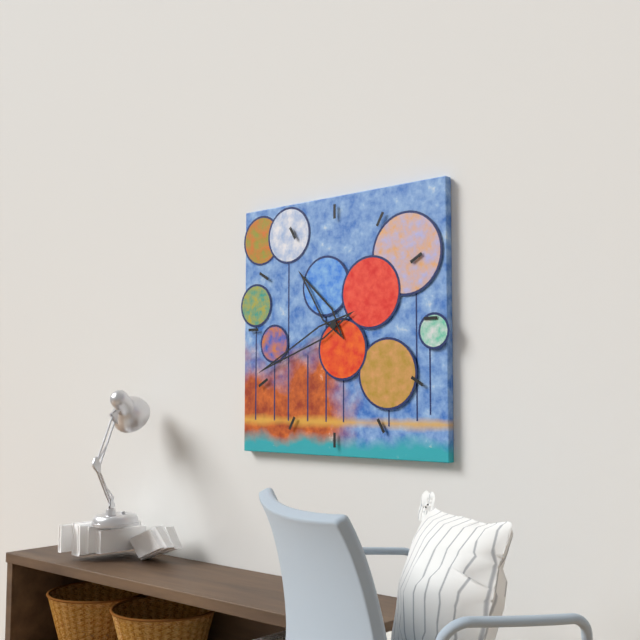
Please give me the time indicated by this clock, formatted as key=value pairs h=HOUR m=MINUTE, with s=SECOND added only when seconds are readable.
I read h=10 m=41
